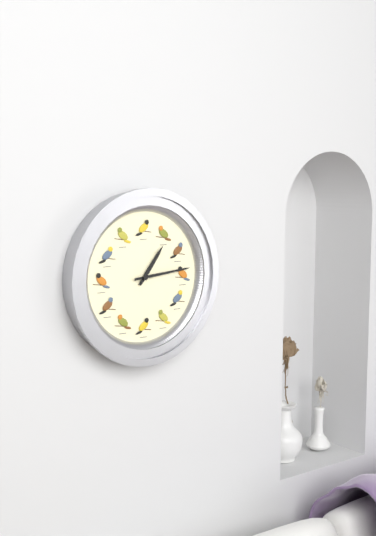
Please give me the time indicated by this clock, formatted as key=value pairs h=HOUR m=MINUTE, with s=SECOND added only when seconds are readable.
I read h=1 m=14
